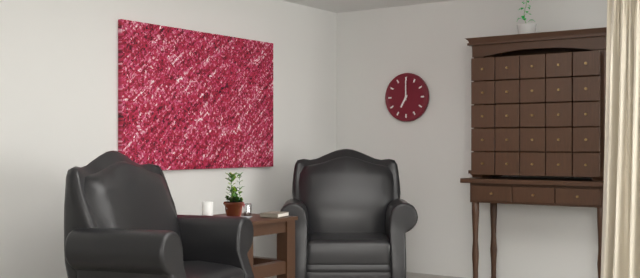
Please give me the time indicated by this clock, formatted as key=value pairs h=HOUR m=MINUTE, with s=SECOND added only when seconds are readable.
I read h=7 m=0
